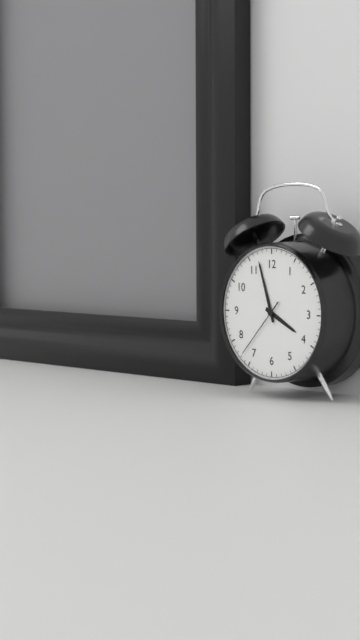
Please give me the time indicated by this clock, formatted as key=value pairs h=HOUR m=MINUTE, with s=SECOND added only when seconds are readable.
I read h=3 m=57 s=37
